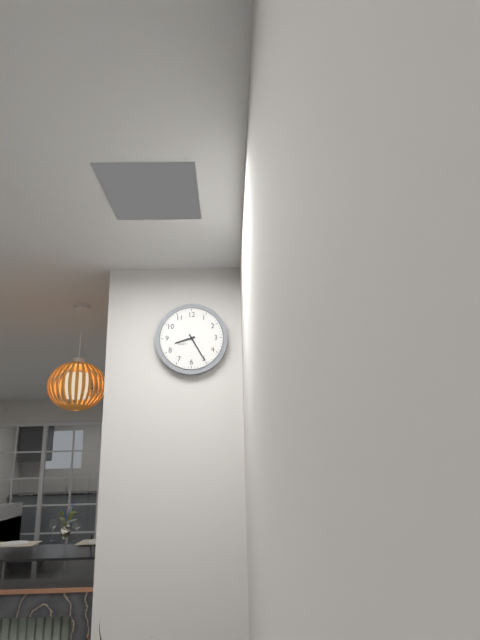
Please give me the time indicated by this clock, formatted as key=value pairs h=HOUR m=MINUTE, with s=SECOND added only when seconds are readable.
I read h=8 m=25
